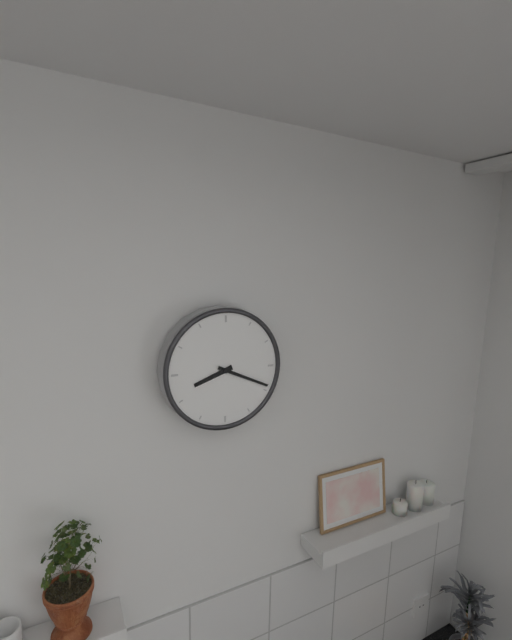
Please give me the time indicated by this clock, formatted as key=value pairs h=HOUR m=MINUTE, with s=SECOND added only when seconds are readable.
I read h=8 m=19
